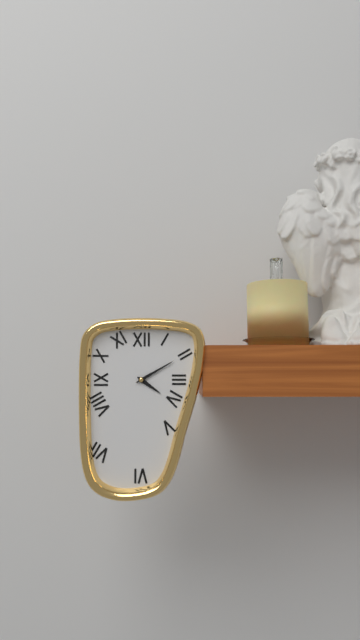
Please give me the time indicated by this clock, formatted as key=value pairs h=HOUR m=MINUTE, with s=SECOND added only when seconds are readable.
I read h=4 m=10
